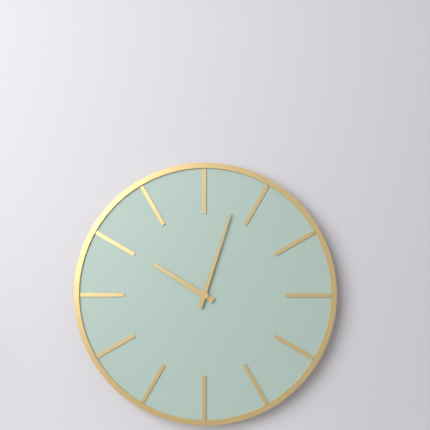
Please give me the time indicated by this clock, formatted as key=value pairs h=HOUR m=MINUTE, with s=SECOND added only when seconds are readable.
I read h=10 m=3
